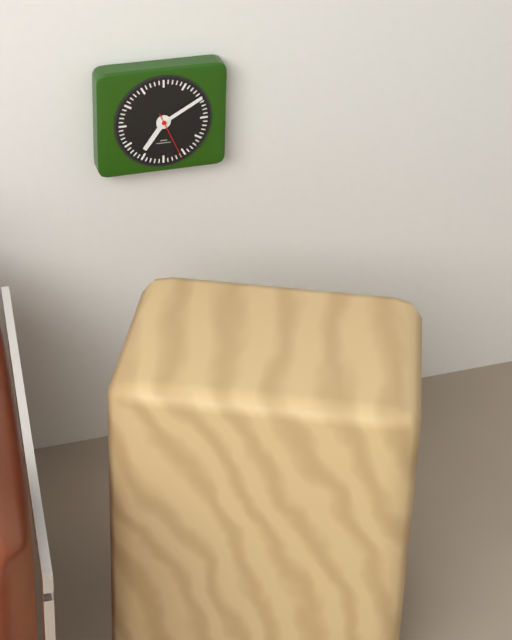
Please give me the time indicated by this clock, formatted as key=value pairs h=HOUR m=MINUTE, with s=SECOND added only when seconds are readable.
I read h=7 m=10
